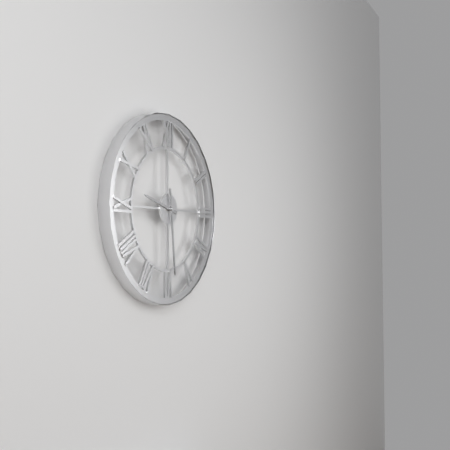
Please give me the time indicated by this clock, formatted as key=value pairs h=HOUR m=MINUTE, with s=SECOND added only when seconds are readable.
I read h=9 m=29
